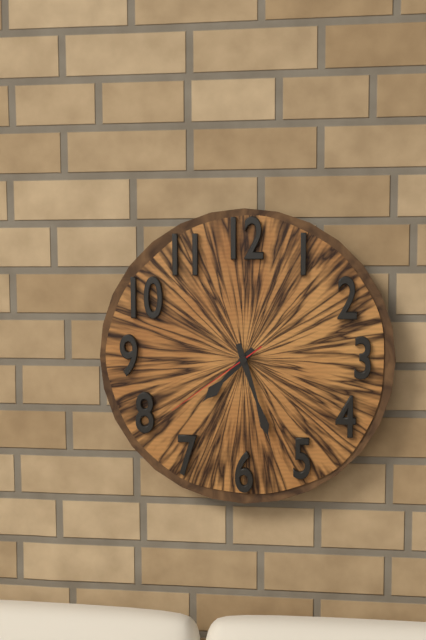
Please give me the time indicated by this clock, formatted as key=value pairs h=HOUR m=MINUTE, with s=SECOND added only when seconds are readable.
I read h=7 m=27 s=39
